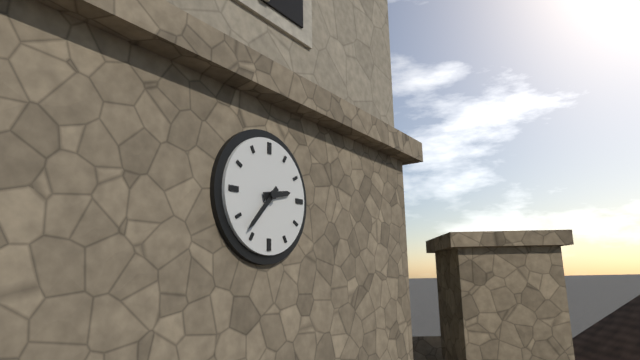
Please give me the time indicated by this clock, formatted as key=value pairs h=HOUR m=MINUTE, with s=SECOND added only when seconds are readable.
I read h=2 m=37
